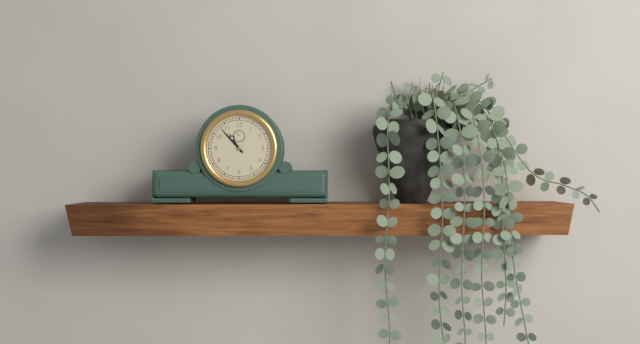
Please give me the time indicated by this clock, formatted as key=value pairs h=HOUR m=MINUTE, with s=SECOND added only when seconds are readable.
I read h=10 m=53
